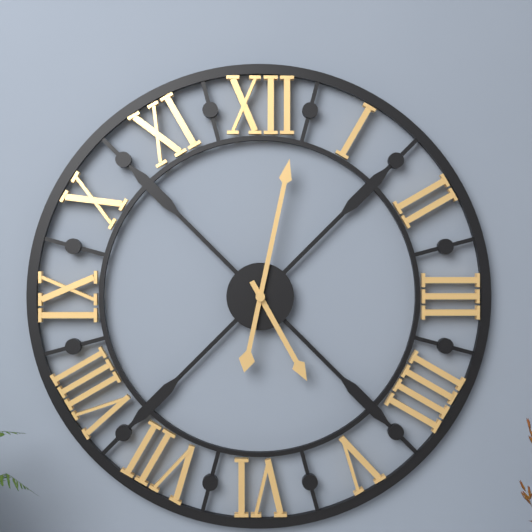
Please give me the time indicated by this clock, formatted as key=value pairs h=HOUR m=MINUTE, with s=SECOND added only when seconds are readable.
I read h=5 m=2
